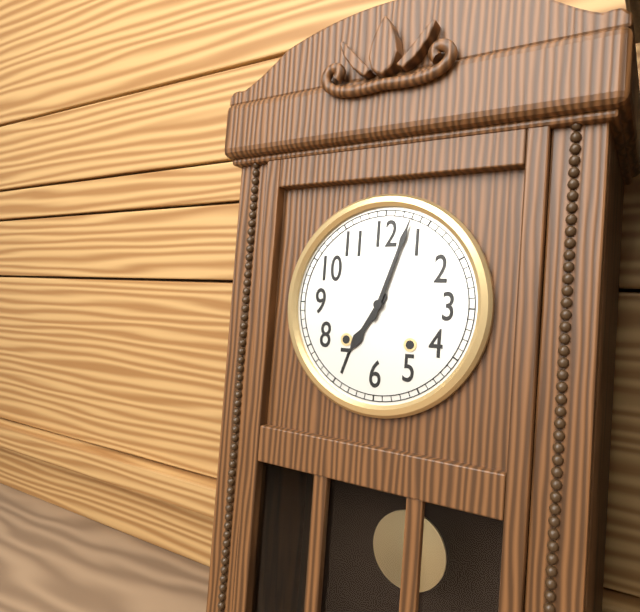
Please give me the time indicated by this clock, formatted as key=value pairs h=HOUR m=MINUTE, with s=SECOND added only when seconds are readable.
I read h=7 m=3
